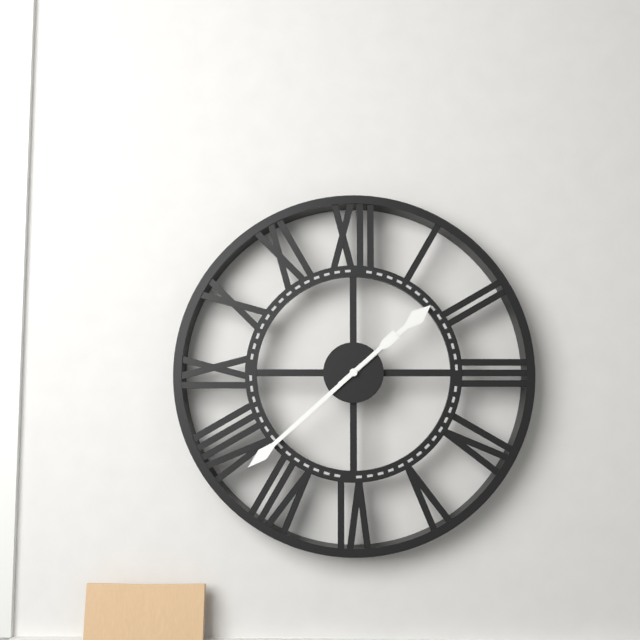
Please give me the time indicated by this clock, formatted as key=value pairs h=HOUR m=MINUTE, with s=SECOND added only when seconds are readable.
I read h=1 m=38
